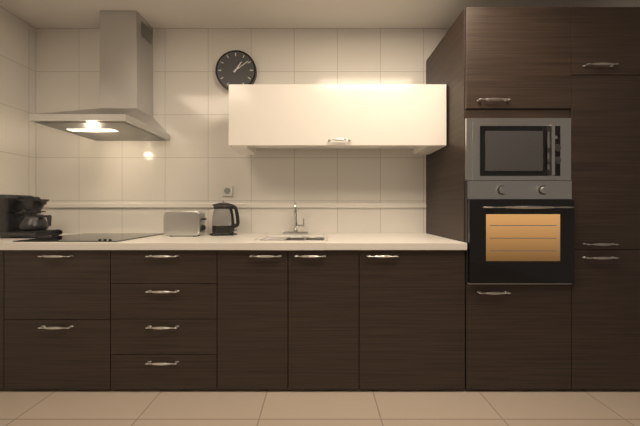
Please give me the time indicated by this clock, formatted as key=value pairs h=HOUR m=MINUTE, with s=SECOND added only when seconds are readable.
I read h=1 m=9
